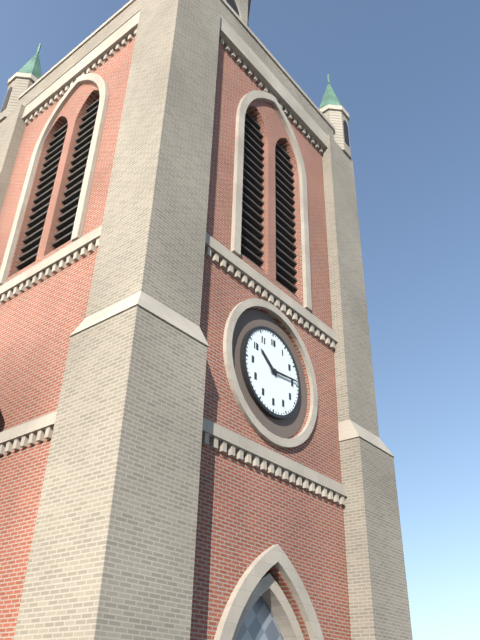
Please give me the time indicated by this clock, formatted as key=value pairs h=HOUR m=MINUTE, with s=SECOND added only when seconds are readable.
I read h=10 m=14
